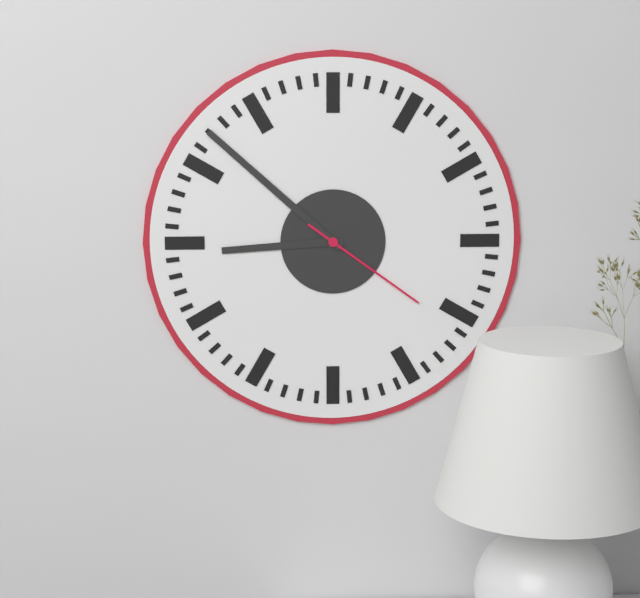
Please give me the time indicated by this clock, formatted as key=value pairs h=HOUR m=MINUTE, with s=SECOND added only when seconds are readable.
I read h=8 m=52 s=21
